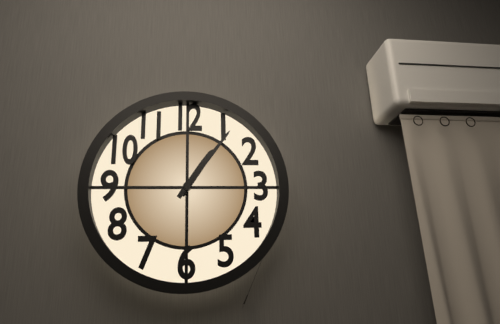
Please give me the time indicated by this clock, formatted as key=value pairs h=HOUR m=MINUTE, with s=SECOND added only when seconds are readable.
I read h=1 m=6
